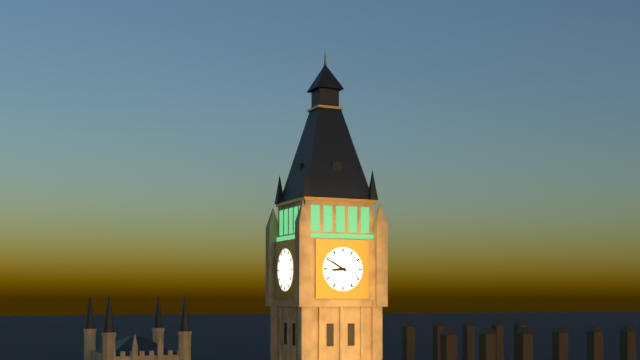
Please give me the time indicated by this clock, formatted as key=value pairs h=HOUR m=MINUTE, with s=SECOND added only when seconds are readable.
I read h=8 m=50
